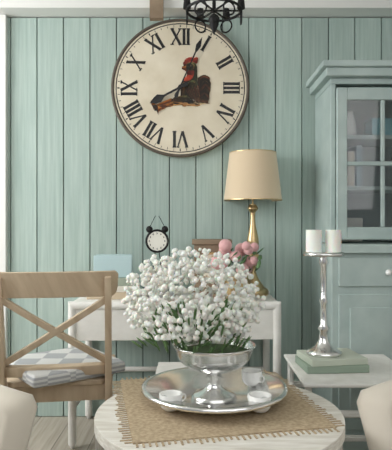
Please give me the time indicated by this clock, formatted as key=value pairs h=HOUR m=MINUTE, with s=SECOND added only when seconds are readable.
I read h=8 m=4
